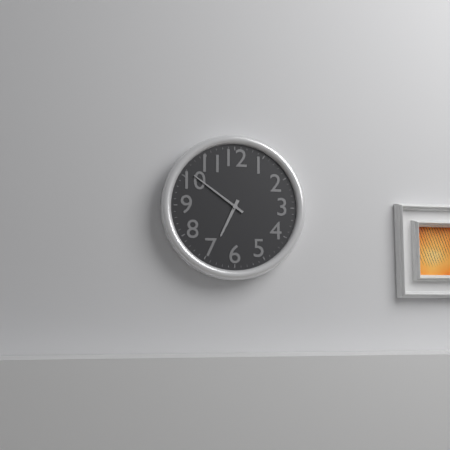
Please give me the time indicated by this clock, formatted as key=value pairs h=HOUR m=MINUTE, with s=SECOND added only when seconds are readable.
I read h=6 m=51
